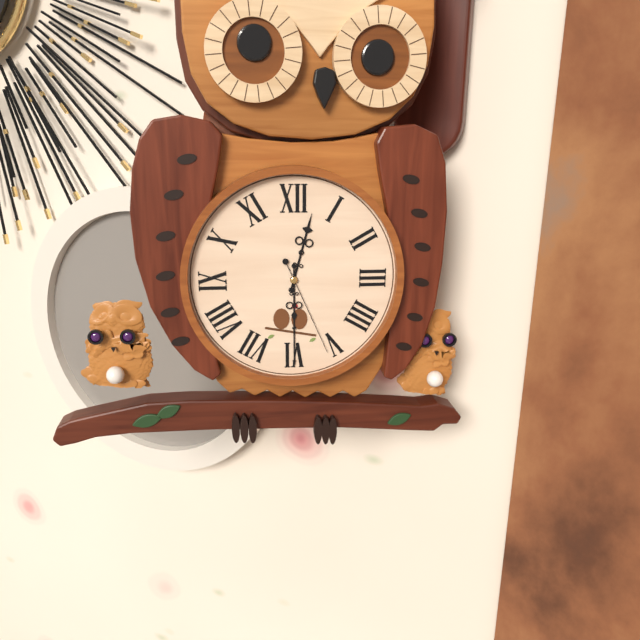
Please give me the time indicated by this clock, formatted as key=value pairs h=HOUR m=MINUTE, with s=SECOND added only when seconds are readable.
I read h=12 m=30 s=26
